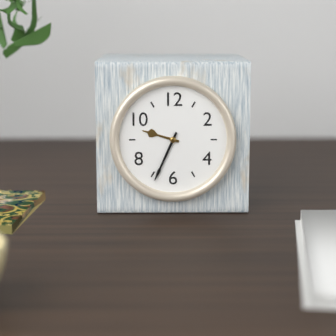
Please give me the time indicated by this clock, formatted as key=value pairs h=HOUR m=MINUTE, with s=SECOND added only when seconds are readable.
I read h=9 m=34
